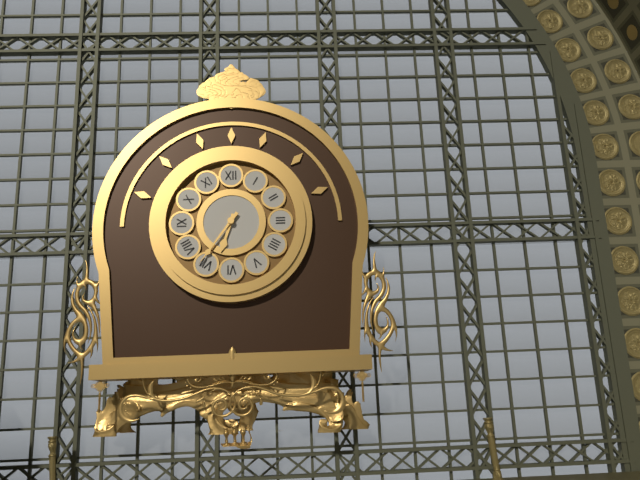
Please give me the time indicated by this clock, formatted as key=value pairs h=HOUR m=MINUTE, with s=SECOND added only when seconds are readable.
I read h=6 m=36
